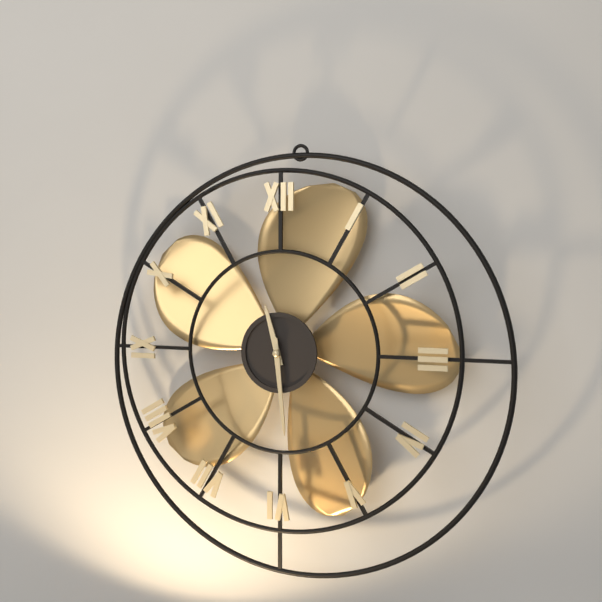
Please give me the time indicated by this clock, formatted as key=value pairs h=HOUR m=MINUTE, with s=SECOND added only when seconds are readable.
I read h=11 m=29
